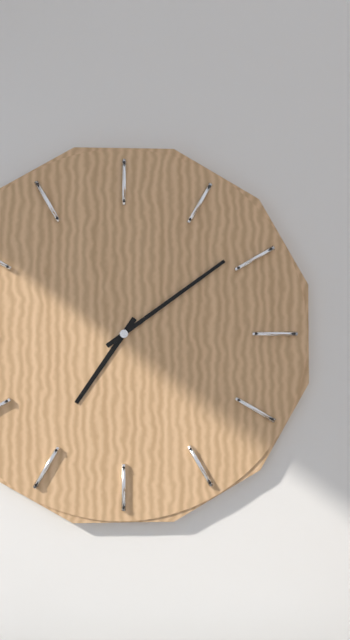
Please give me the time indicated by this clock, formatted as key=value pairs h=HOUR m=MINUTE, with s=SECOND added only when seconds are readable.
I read h=7 m=9
